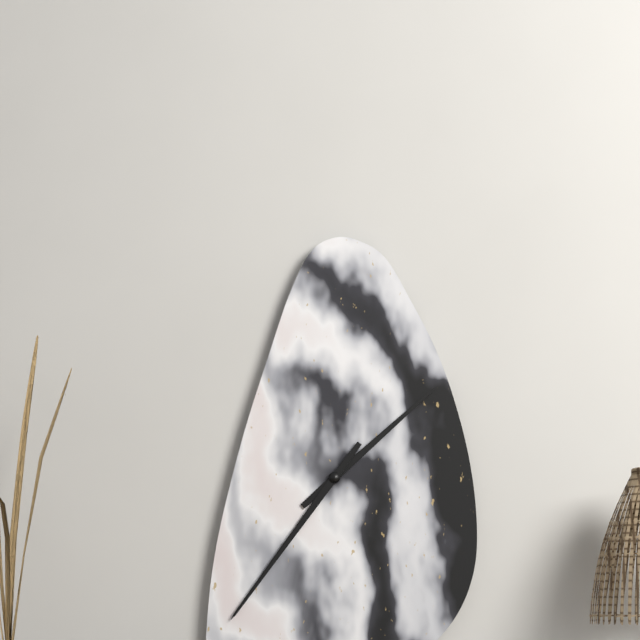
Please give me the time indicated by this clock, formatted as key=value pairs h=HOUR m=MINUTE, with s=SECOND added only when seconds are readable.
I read h=1 m=36
